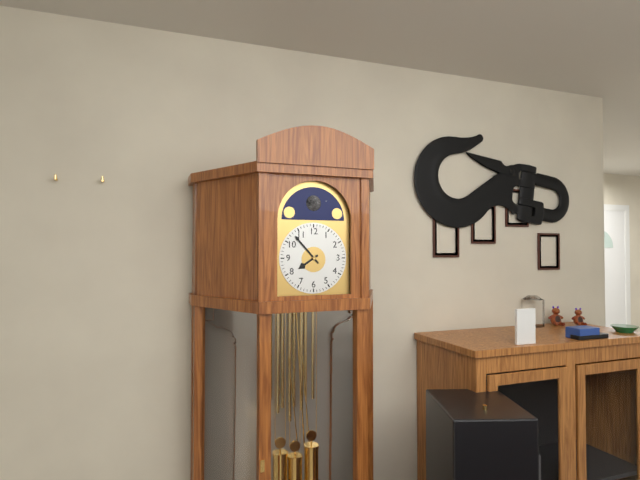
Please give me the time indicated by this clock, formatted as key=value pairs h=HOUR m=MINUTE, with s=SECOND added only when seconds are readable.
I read h=7 m=53
